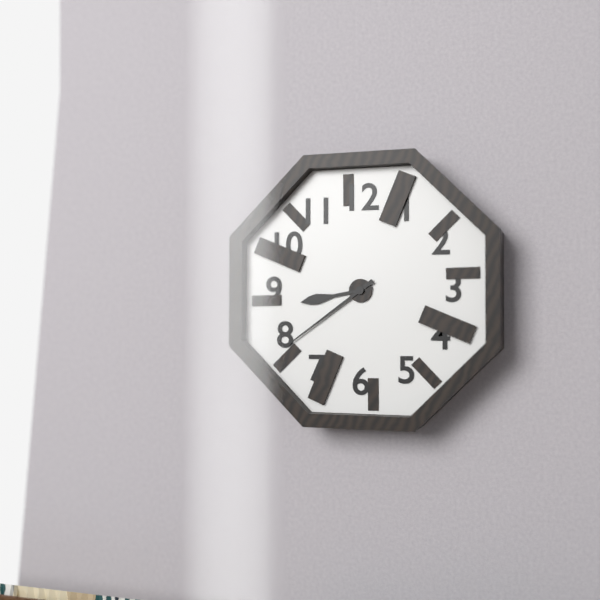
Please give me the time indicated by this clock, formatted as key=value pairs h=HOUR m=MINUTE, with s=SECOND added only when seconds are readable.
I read h=8 m=39
